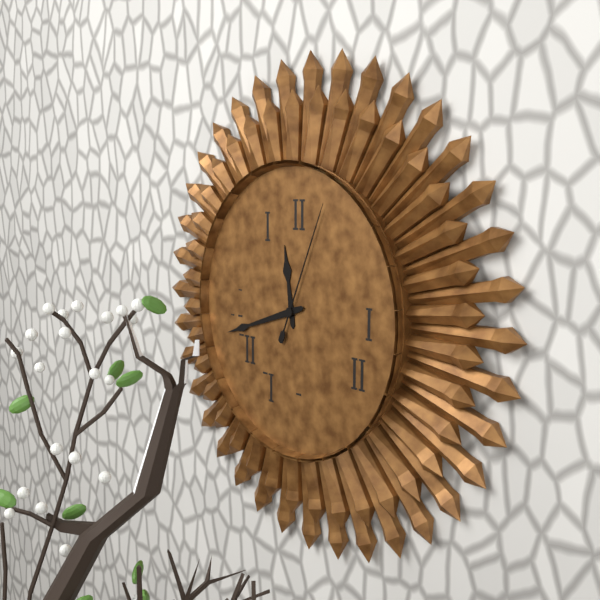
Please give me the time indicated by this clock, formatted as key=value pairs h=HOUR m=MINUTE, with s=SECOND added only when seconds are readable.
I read h=11 m=42 s=4
